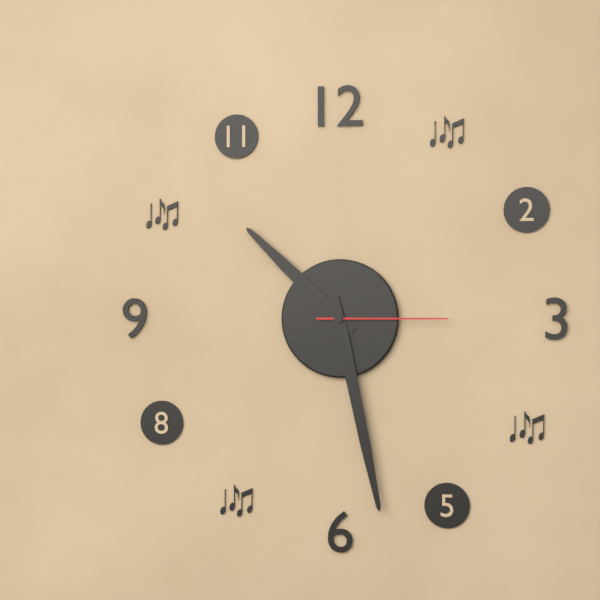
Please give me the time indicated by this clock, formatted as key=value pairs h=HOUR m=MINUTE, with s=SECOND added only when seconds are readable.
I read h=10 m=28 s=15
